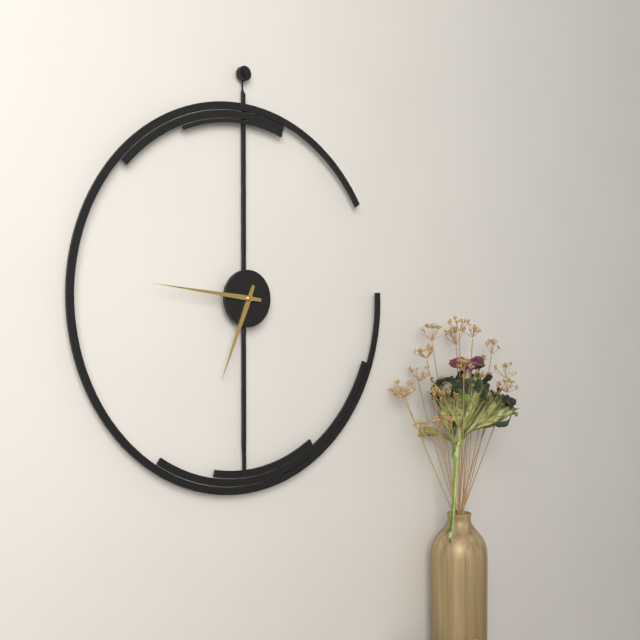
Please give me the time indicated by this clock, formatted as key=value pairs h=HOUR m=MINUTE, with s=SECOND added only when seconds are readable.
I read h=6 m=46
